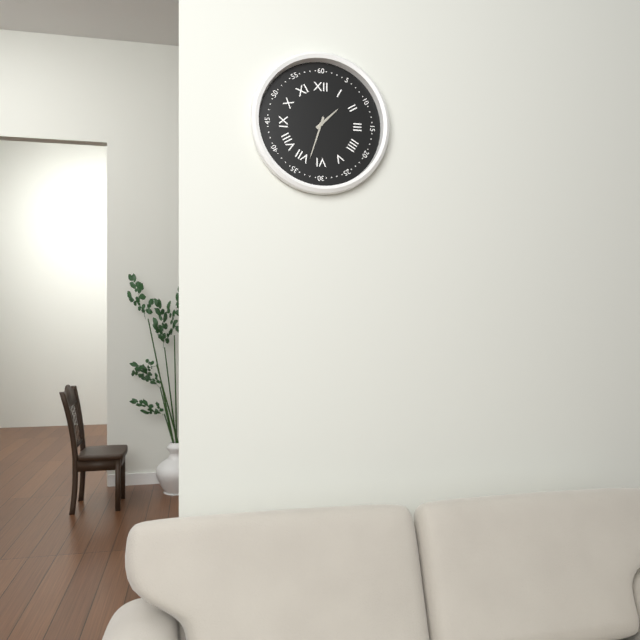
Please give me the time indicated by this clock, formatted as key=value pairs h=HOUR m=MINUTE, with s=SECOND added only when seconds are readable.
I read h=1 m=33
